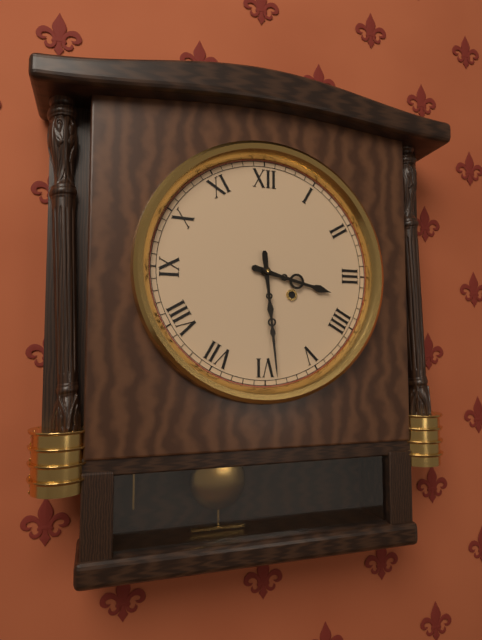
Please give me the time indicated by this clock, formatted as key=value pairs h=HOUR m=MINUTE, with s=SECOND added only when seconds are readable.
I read h=3 m=29
